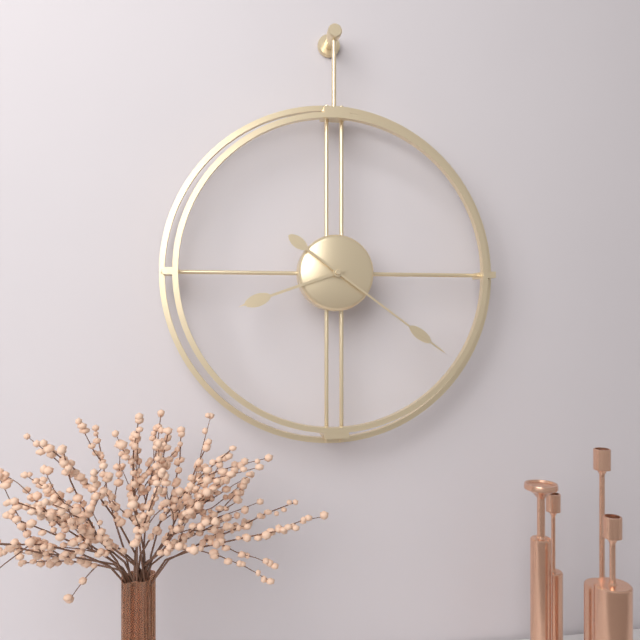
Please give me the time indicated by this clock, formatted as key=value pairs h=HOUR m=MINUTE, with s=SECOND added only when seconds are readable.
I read h=8 m=21
